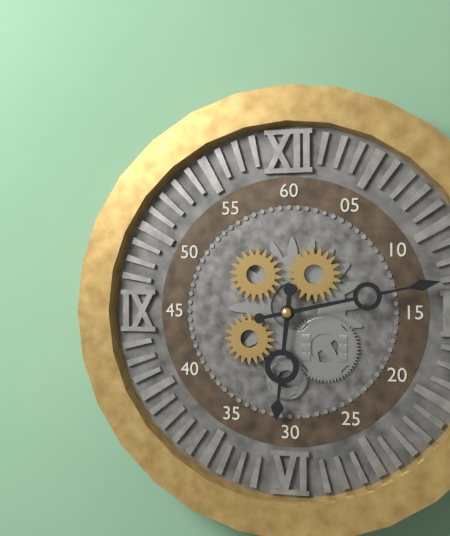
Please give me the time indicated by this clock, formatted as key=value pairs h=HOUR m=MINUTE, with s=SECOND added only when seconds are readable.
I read h=6 m=13
